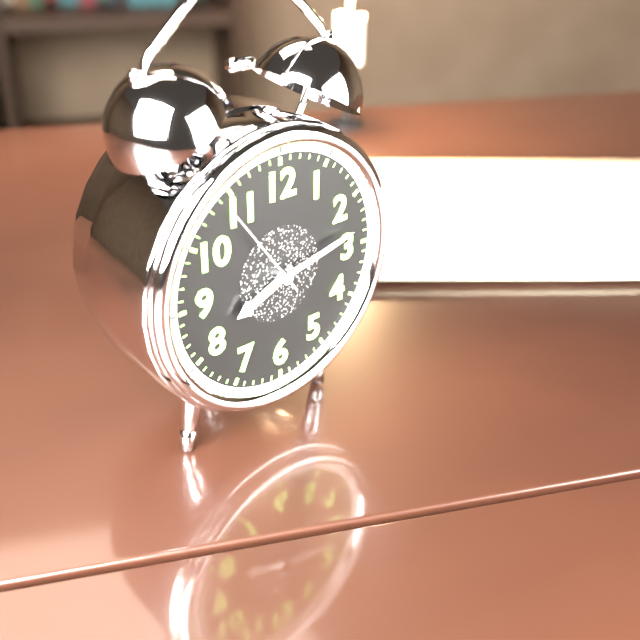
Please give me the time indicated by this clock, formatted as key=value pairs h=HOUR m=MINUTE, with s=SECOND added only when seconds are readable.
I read h=8 m=13 s=54
